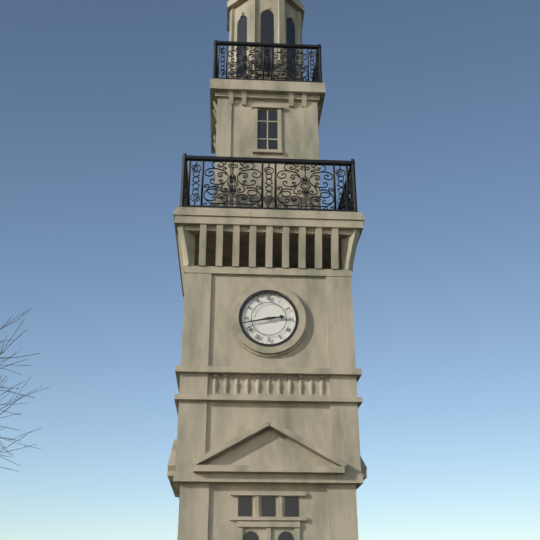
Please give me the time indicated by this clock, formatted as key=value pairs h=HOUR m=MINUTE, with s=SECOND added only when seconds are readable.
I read h=2 m=43
